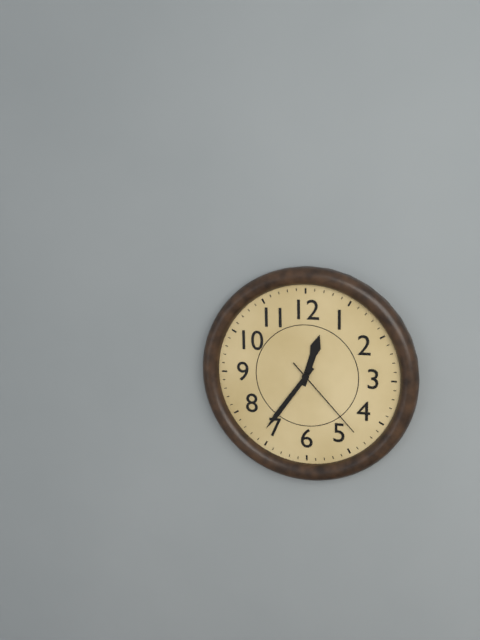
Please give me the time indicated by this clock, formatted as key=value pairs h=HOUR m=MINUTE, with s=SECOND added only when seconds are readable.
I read h=12 m=36 s=23
